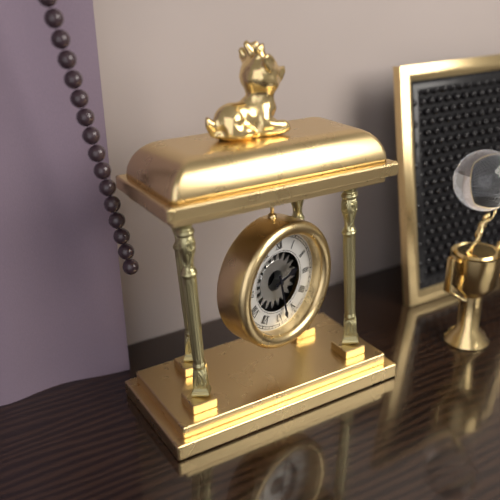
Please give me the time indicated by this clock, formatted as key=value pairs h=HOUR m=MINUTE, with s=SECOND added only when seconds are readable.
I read h=2 m=28
